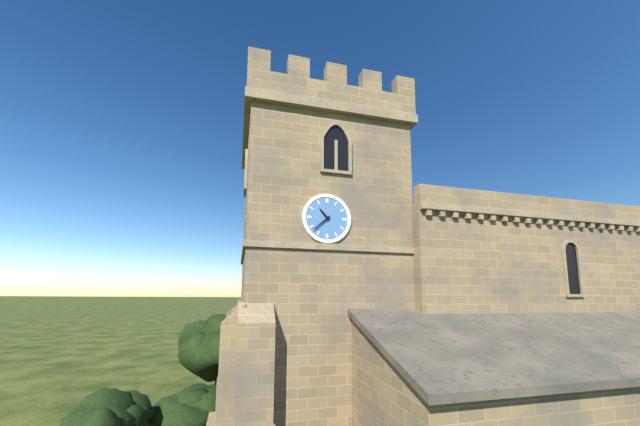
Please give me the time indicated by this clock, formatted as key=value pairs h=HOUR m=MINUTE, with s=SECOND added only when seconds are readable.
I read h=10 m=38
